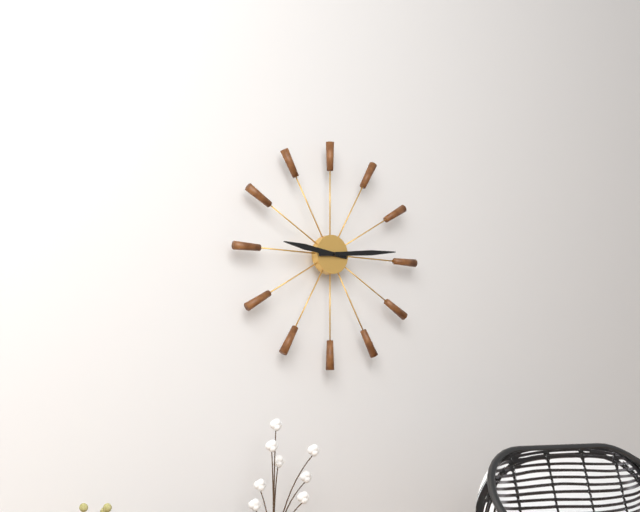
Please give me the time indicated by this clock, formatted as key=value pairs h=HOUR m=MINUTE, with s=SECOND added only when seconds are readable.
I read h=9 m=14
